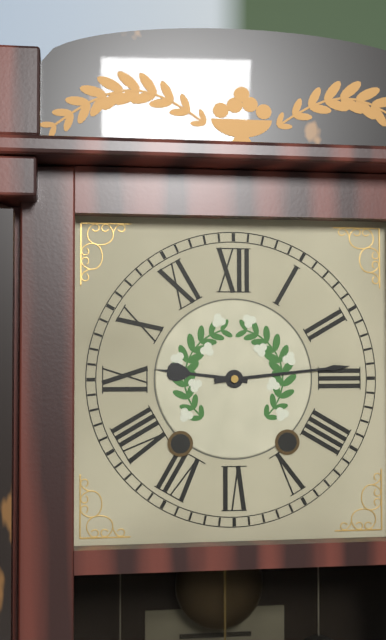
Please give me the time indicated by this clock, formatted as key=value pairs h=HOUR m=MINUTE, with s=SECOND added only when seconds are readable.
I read h=9 m=14
